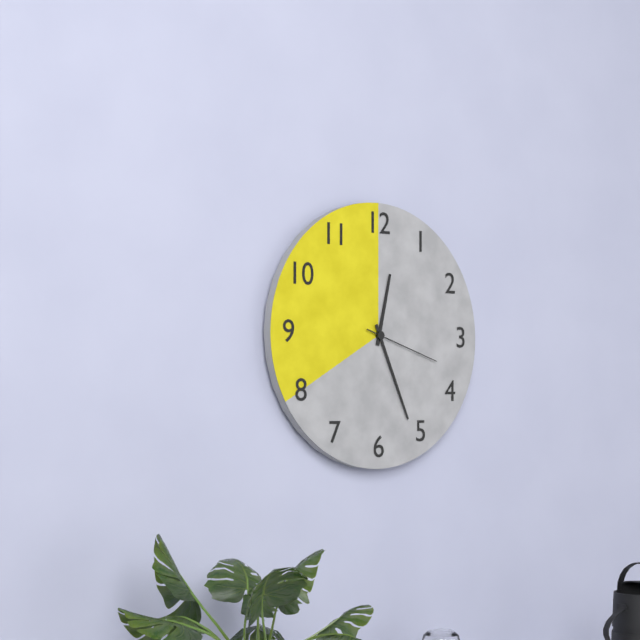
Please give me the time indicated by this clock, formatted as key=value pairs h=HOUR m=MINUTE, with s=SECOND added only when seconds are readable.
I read h=12 m=26 s=18
